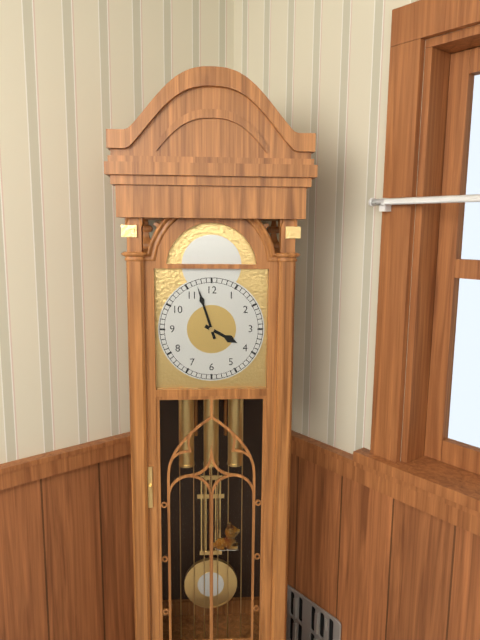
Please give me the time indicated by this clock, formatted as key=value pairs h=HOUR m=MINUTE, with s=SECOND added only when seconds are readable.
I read h=3 m=57
